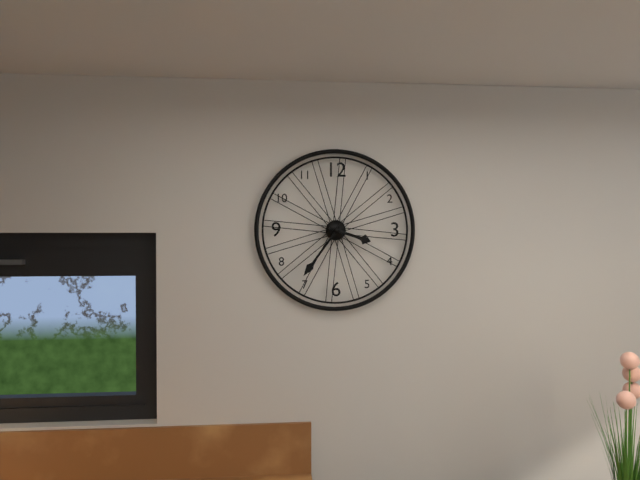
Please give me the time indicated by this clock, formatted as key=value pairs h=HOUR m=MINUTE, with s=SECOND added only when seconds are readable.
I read h=3 m=36
